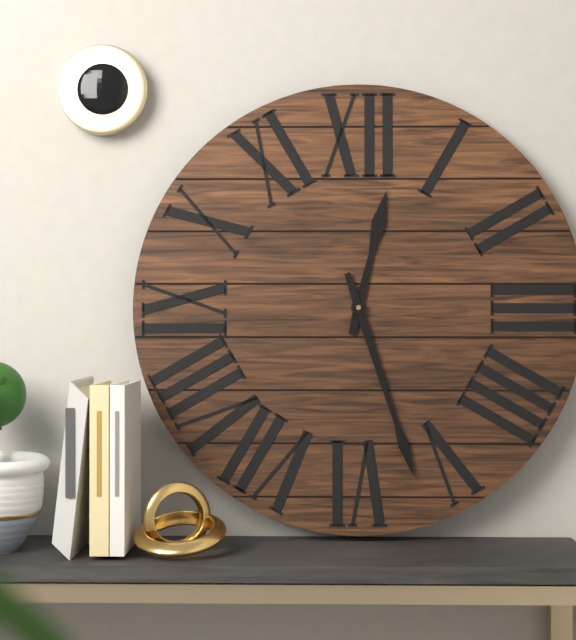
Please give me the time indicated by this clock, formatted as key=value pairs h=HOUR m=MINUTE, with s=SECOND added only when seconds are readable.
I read h=12 m=27
